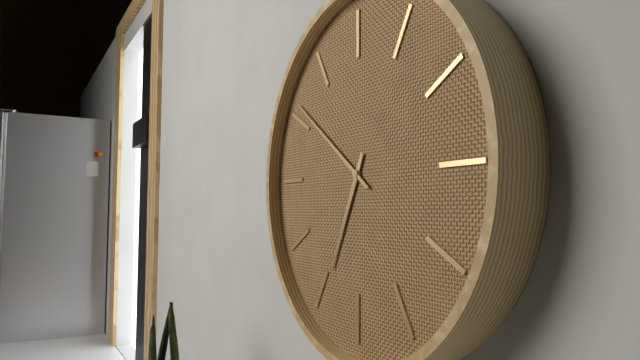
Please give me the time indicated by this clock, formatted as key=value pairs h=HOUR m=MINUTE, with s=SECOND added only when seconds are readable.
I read h=6 m=51
